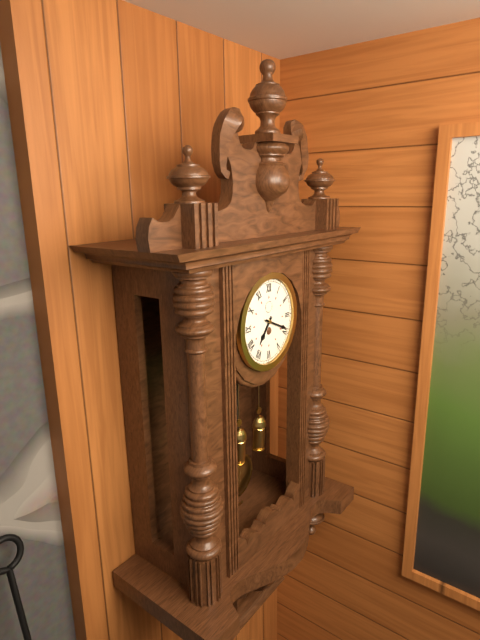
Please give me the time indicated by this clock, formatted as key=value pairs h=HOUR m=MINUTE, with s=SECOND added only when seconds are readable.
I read h=7 m=19
